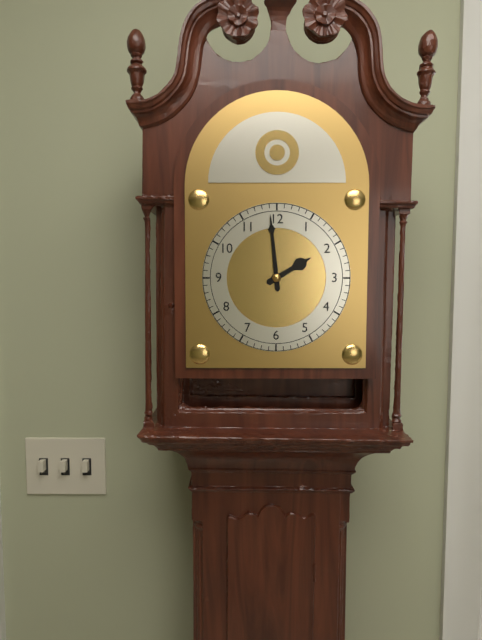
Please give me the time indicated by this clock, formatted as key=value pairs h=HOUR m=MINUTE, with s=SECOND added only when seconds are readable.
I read h=1 m=59
